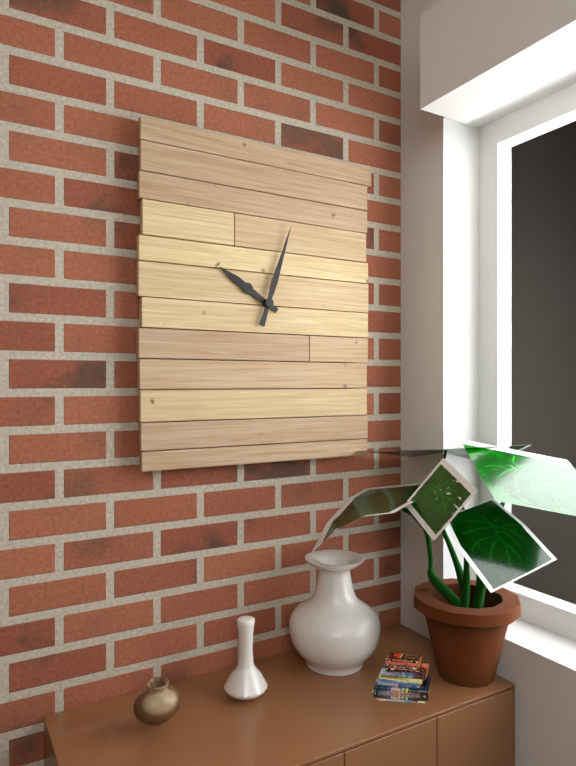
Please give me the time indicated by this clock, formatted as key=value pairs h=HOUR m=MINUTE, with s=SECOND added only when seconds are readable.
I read h=10 m=3
